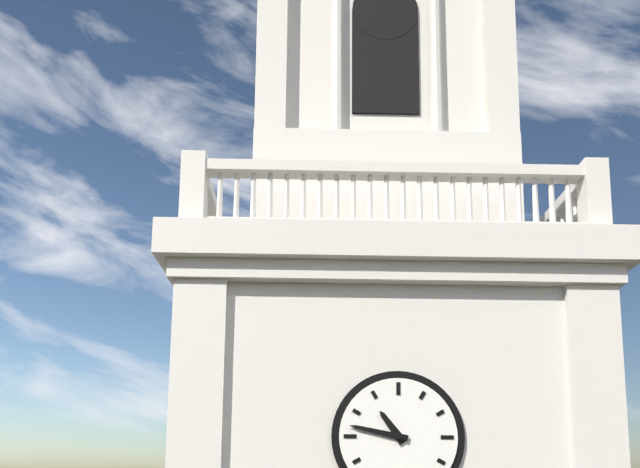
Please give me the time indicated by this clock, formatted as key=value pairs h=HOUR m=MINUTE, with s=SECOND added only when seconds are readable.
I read h=10 m=47
